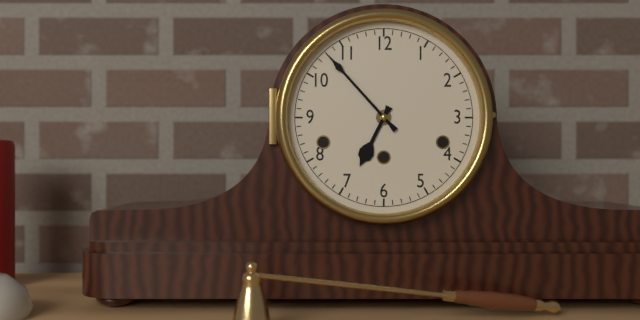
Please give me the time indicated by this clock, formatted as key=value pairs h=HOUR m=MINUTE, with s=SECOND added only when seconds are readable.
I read h=6 m=53
